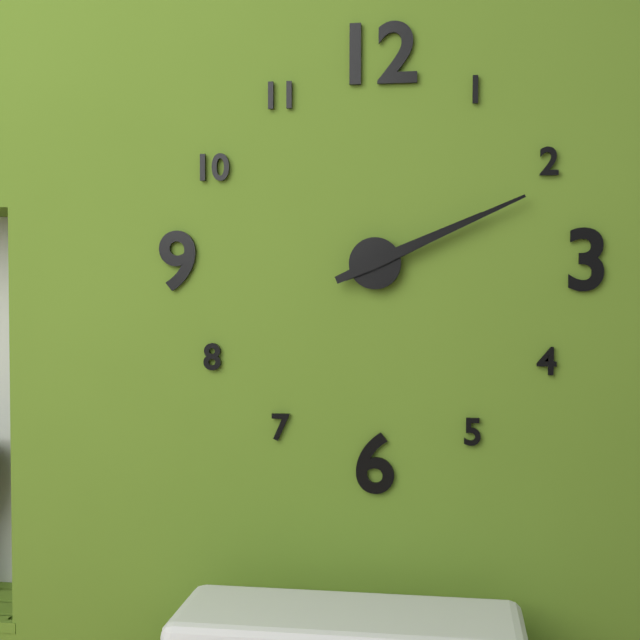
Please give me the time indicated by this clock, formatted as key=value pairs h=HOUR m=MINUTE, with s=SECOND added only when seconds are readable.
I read h=2 m=11
